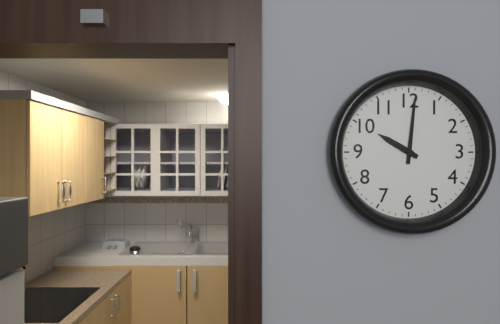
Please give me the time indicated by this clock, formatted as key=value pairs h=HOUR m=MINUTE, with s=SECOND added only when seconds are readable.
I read h=10 m=1
